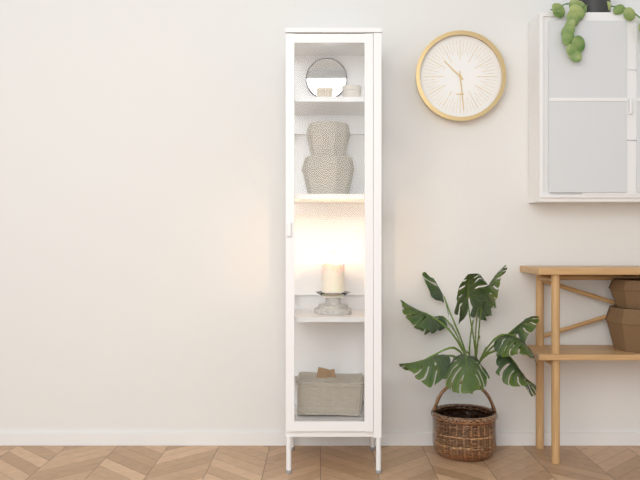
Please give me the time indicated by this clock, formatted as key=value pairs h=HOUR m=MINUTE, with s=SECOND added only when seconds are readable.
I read h=10 m=29
